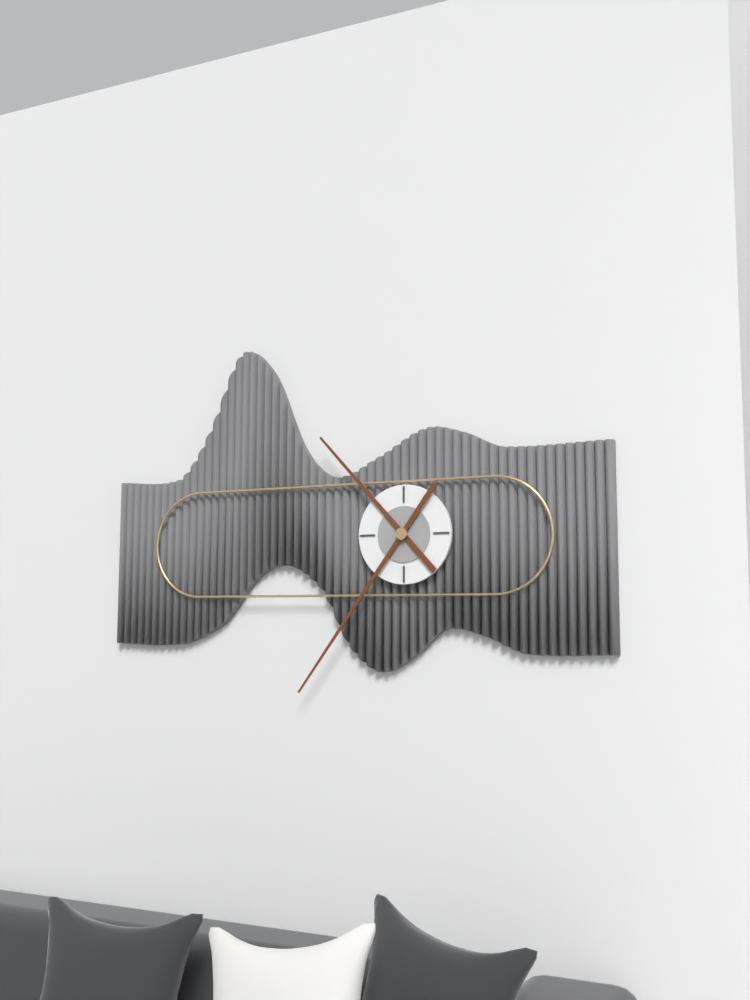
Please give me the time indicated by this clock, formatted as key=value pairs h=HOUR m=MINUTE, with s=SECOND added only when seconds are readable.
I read h=10 m=36
